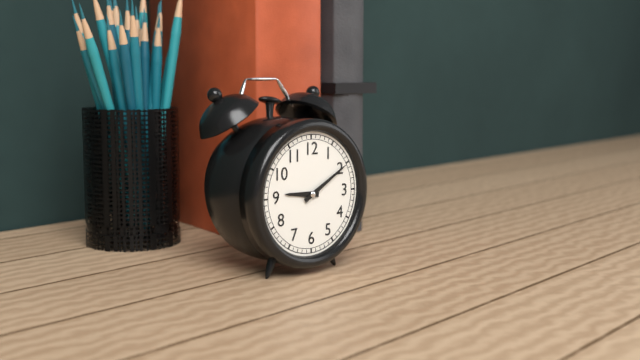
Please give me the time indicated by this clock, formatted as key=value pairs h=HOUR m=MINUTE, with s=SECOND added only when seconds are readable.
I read h=9 m=10
